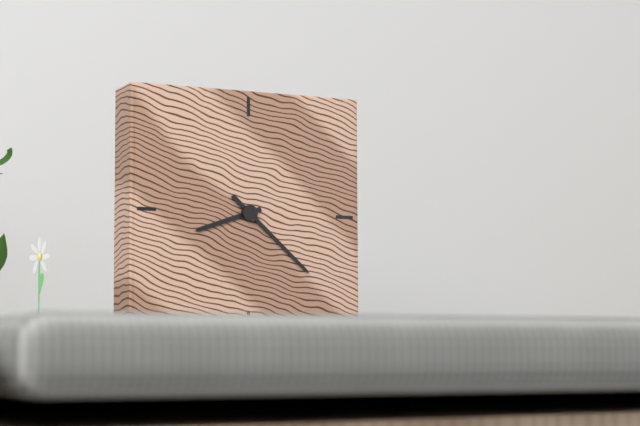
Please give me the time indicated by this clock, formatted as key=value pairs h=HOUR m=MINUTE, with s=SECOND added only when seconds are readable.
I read h=8 m=22
